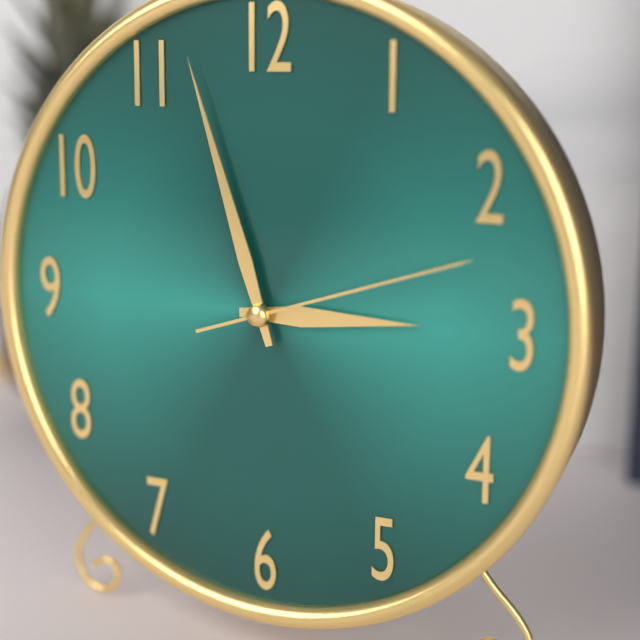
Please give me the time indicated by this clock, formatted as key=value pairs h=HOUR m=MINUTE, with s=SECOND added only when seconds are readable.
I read h=2 m=57 s=12
